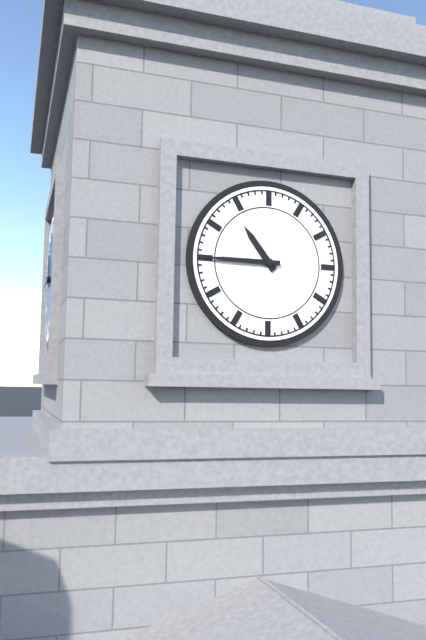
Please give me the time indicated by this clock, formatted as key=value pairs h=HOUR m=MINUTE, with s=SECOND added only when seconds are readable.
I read h=10 m=45
